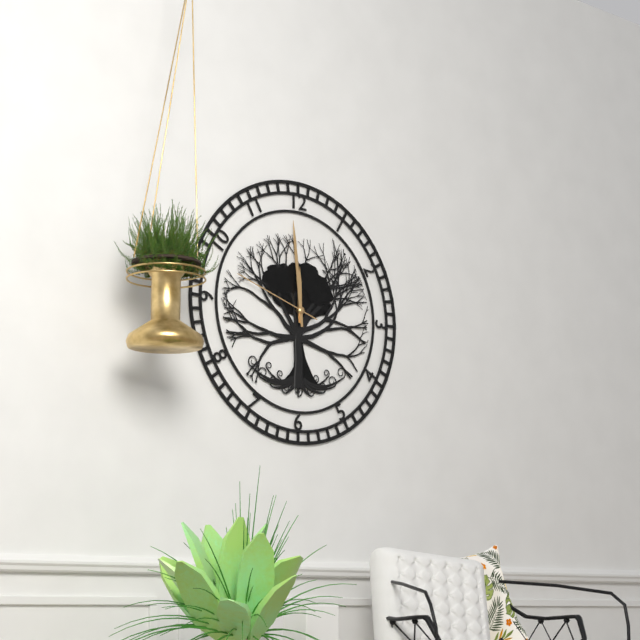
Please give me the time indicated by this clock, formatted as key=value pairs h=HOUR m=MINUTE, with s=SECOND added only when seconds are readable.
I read h=11 m=59 s=48
